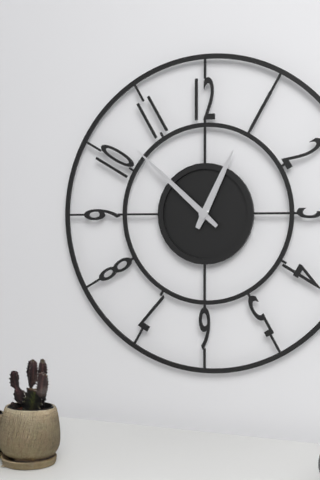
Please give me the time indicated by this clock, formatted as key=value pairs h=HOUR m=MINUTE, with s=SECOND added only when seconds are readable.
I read h=12 m=52
